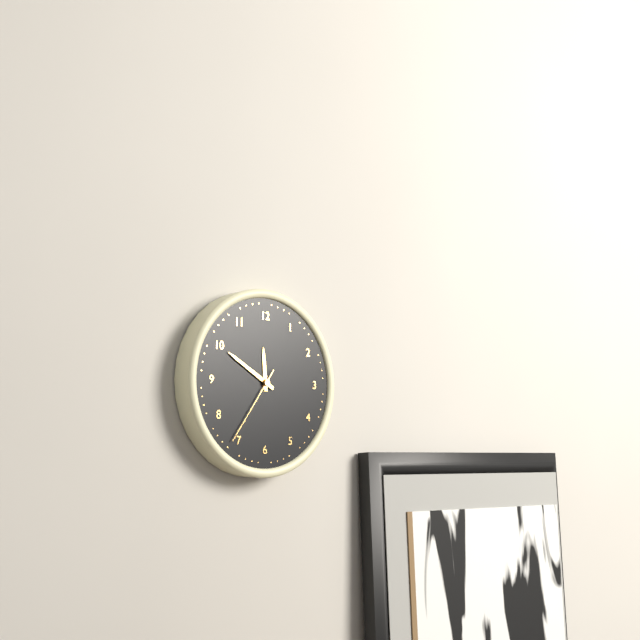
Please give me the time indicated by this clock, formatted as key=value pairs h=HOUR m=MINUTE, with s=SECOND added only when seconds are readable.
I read h=11 m=50 s=36
